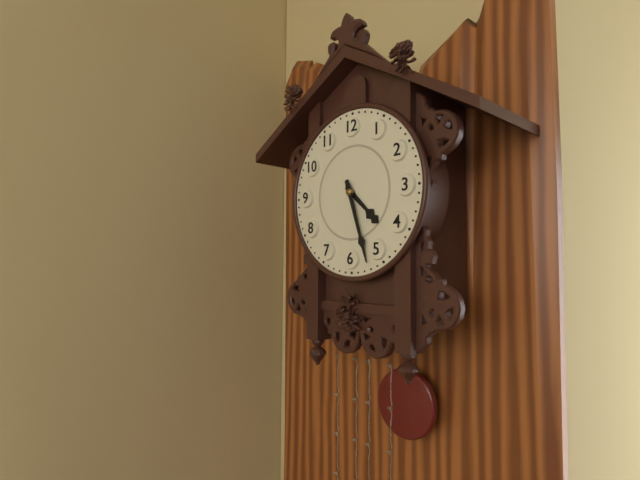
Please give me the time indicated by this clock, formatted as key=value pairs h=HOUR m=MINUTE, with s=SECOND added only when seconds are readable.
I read h=4 m=27
